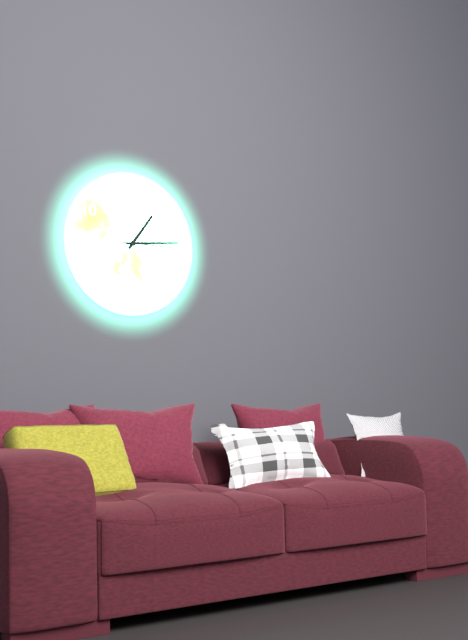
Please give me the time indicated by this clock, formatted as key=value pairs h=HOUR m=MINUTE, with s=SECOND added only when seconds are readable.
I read h=1 m=14 s=15
